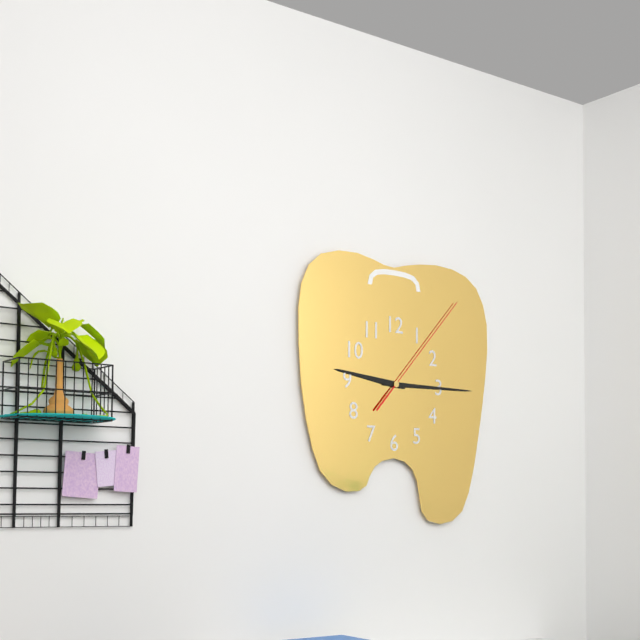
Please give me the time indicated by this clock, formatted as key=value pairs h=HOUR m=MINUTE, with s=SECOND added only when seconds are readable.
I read h=9 m=15 s=7
